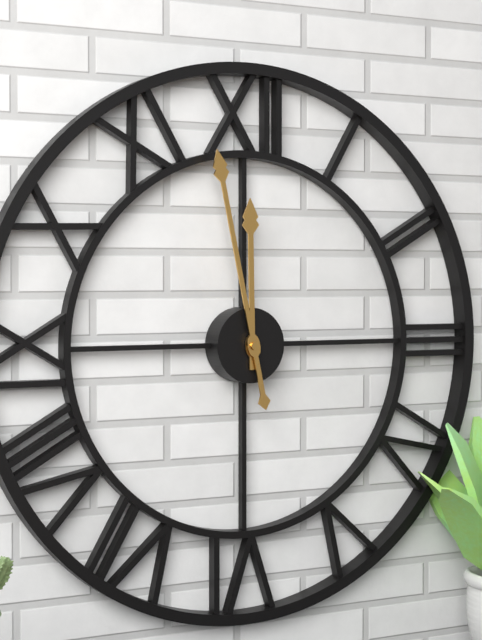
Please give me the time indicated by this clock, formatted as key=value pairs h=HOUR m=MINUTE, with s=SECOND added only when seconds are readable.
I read h=11 m=58
